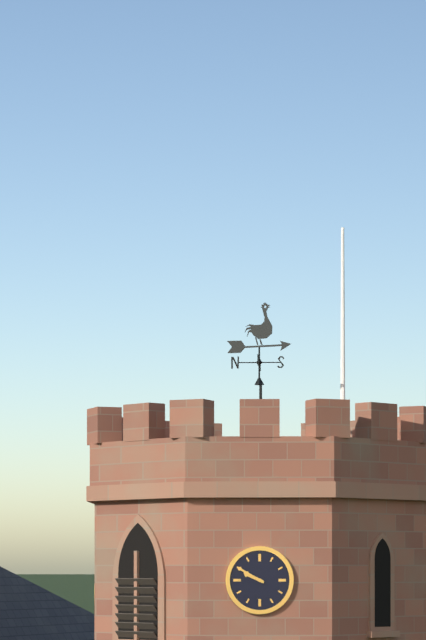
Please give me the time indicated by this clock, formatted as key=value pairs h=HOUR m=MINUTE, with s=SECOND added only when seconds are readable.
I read h=9 m=50
